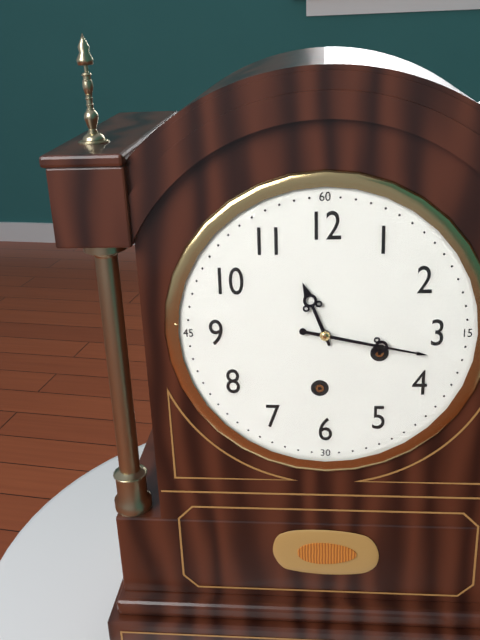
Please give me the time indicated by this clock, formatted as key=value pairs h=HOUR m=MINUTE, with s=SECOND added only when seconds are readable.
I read h=11 m=17
